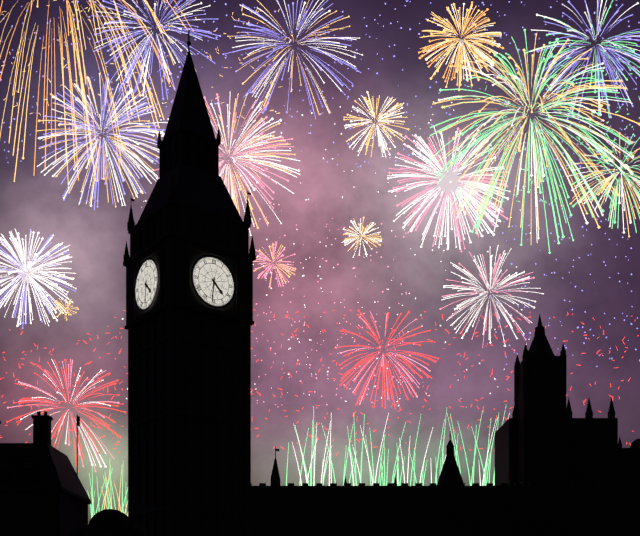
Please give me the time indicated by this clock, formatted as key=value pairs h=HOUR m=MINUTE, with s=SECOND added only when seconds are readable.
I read h=4 m=31
